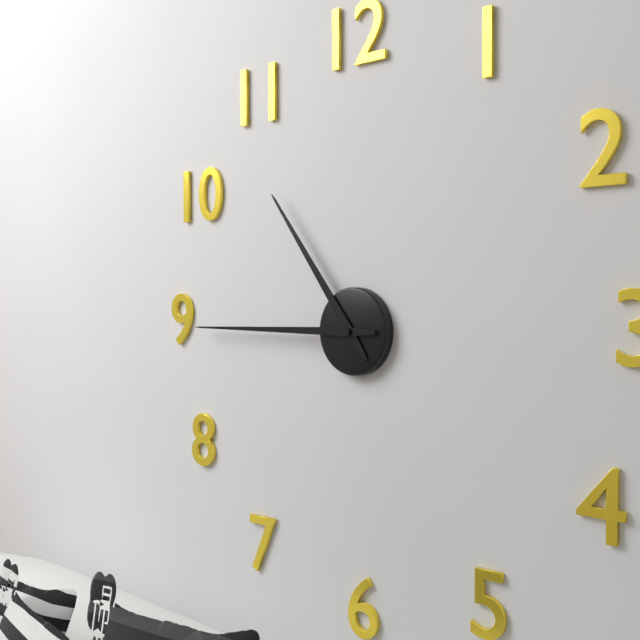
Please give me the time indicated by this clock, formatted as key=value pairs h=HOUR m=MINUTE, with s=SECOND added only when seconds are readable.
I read h=10 m=45
